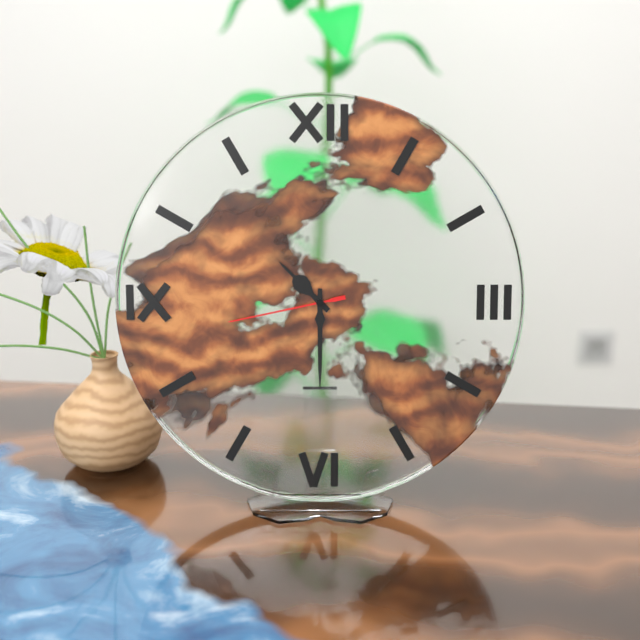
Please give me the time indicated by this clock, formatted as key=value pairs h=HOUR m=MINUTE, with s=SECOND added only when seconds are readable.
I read h=10 m=30 s=43
